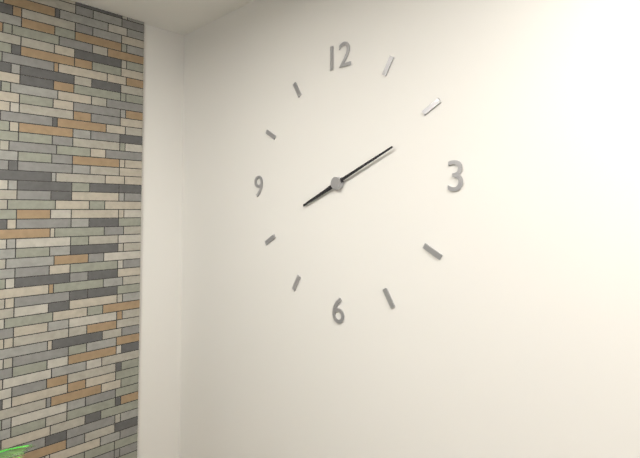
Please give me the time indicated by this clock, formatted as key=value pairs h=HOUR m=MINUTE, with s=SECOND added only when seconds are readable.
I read h=8 m=11
